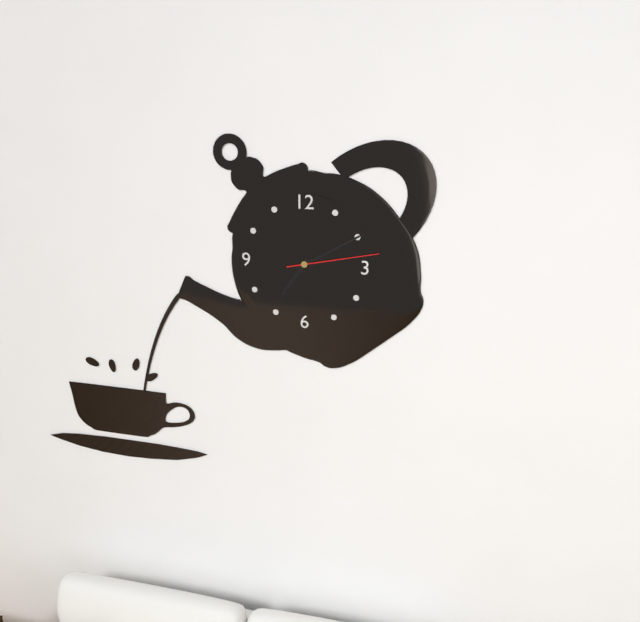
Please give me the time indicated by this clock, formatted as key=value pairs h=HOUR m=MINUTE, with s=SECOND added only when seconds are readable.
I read h=7 m=10 s=13
